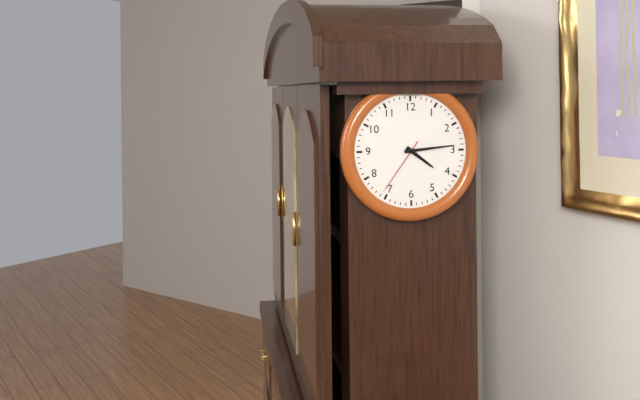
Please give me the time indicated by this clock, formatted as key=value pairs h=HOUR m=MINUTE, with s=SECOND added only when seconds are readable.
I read h=4 m=14 s=36
